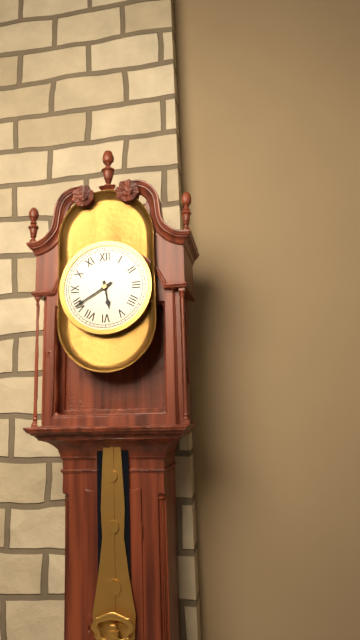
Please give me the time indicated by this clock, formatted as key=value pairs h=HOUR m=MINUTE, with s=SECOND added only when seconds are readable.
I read h=5 m=40
